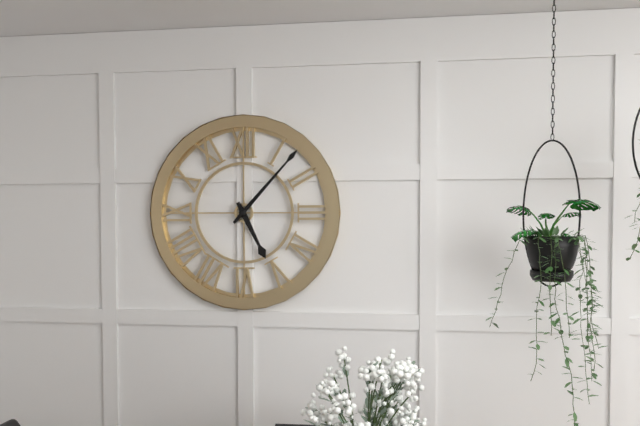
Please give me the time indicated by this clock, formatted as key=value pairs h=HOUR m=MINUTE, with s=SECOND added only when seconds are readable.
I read h=5 m=7
